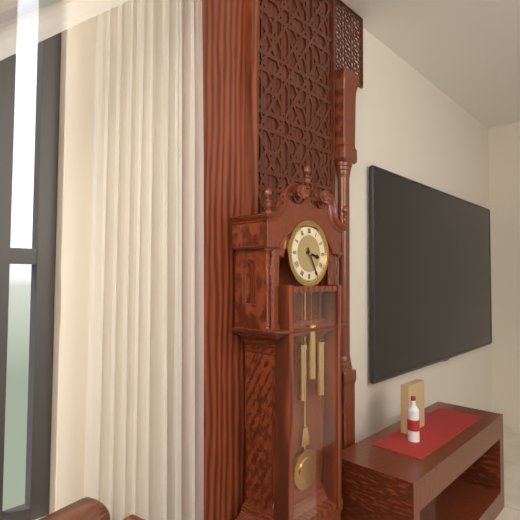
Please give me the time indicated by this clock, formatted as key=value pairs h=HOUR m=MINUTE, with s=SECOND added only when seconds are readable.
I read h=3 m=25
